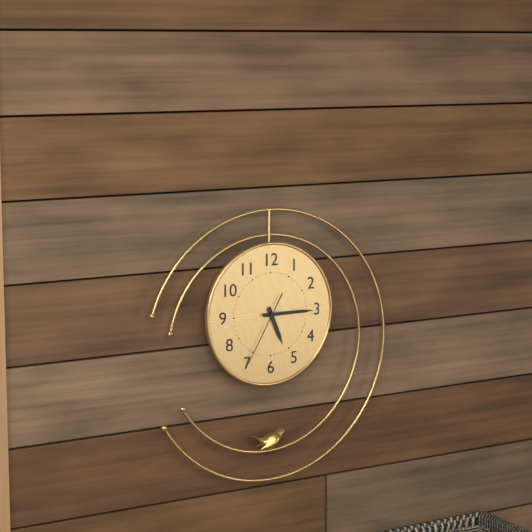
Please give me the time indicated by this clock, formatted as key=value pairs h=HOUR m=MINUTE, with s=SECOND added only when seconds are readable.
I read h=5 m=15 s=35
